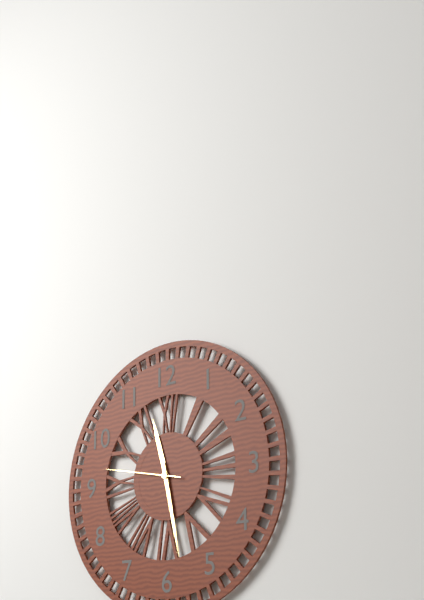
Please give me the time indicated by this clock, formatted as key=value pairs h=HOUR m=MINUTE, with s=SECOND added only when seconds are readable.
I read h=11 m=28 s=47
